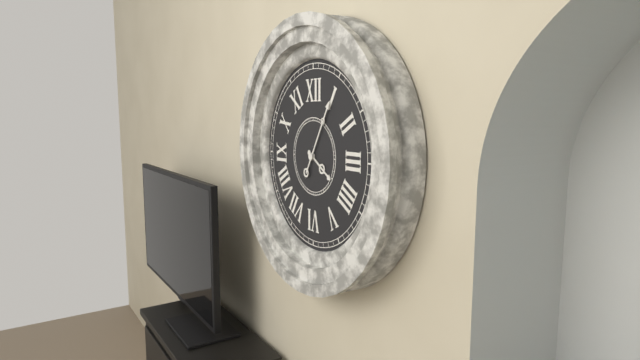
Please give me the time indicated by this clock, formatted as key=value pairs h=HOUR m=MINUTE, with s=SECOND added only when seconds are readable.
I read h=4 m=5
